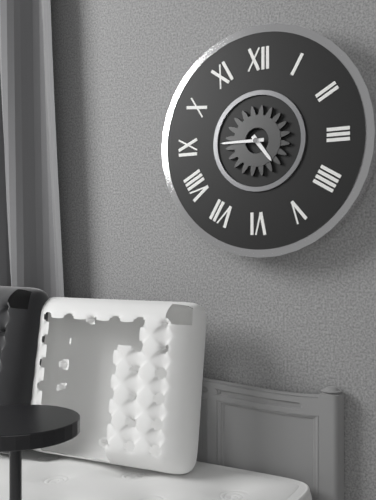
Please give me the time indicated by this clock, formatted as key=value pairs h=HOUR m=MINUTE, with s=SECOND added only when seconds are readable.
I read h=4 m=45
